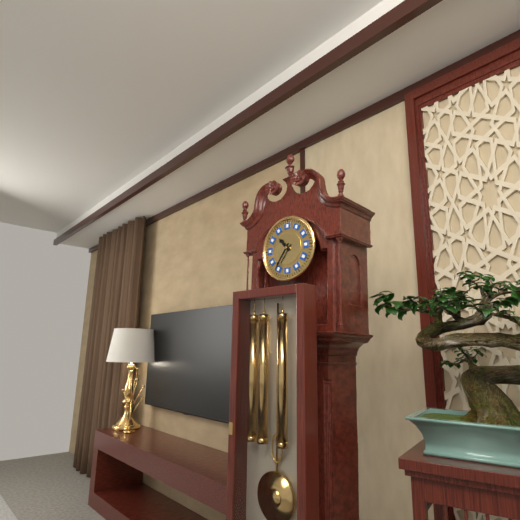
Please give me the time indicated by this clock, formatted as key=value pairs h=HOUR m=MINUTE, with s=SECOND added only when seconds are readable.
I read h=10 m=36
